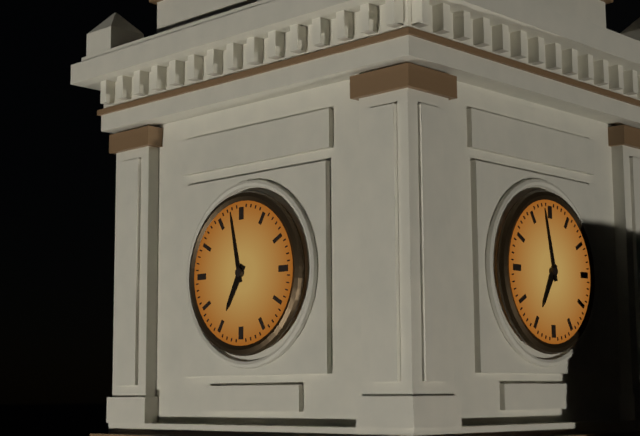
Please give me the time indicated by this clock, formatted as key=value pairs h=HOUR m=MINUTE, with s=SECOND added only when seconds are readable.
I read h=6 m=58
